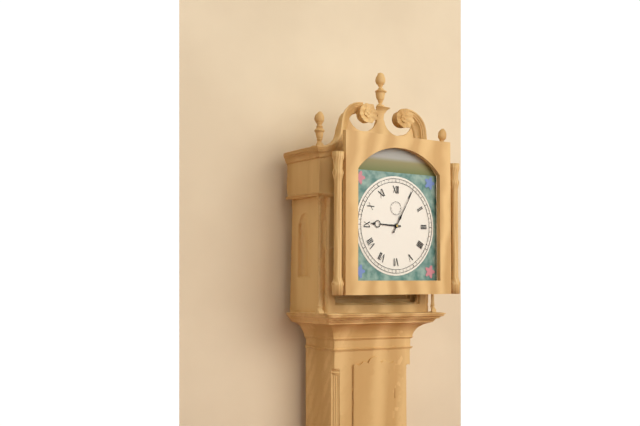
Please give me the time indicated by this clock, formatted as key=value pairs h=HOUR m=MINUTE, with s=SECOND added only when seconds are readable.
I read h=9 m=5
